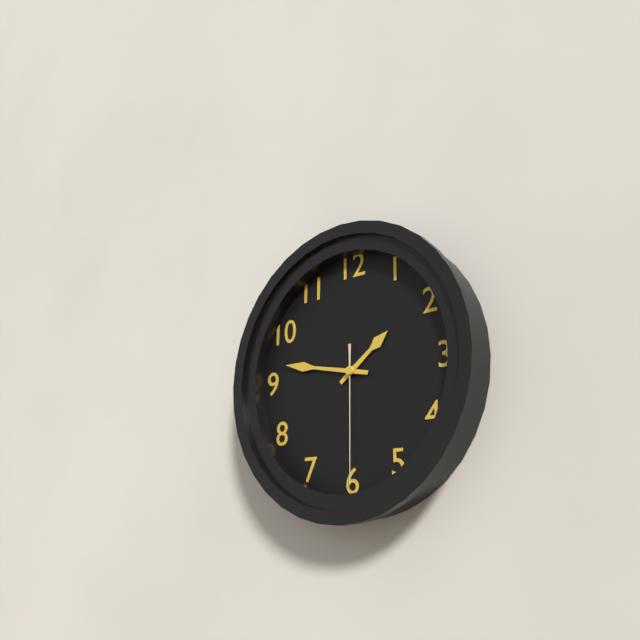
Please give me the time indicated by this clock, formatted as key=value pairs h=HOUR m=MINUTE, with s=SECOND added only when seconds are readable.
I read h=1 m=47 s=30
